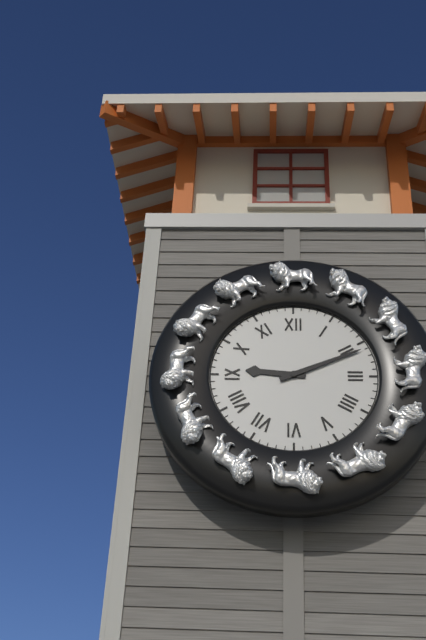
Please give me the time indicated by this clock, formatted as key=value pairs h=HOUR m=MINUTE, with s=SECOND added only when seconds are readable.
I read h=9 m=11
